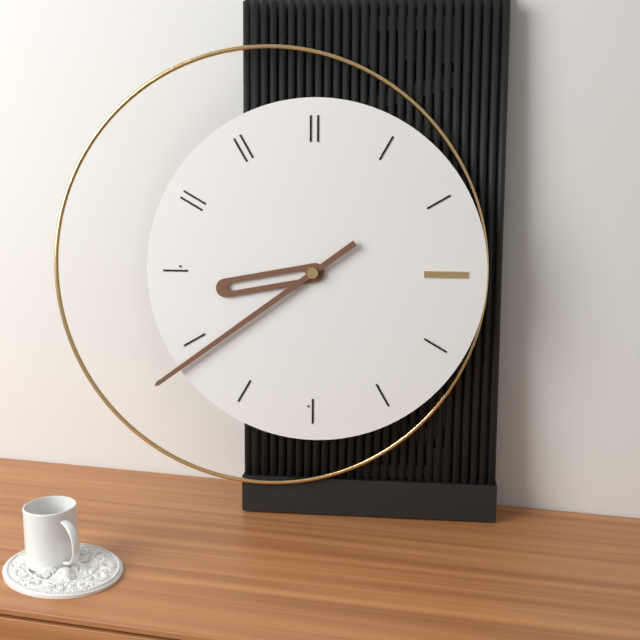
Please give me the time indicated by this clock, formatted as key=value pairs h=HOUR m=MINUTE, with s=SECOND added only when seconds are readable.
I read h=8 m=39
